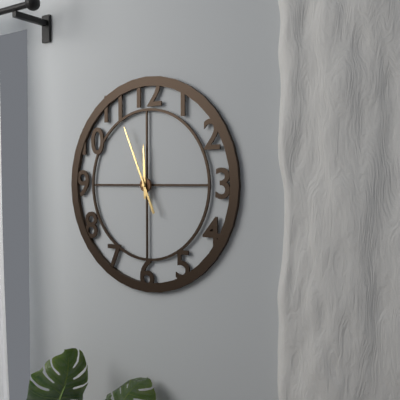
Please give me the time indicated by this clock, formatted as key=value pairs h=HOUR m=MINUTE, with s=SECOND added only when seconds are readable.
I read h=11 m=56
